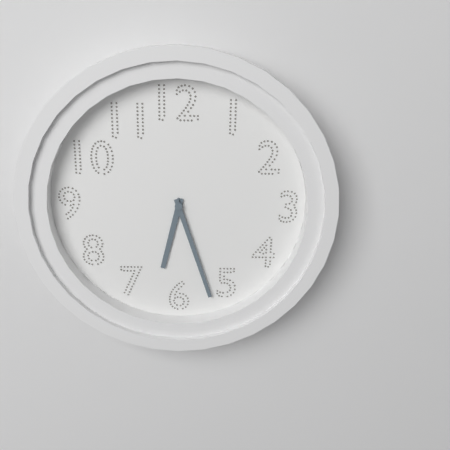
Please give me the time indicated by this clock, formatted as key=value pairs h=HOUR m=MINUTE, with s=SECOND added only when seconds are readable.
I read h=6 m=27
